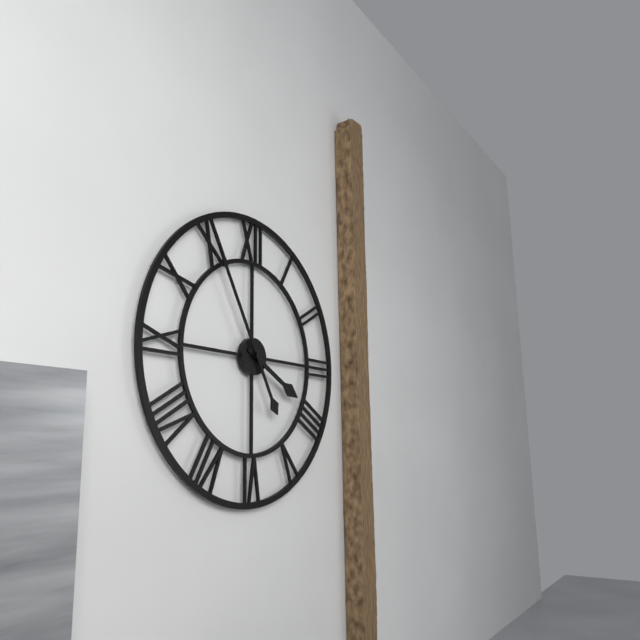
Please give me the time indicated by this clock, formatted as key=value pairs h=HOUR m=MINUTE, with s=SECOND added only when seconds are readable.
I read h=3 m=55
